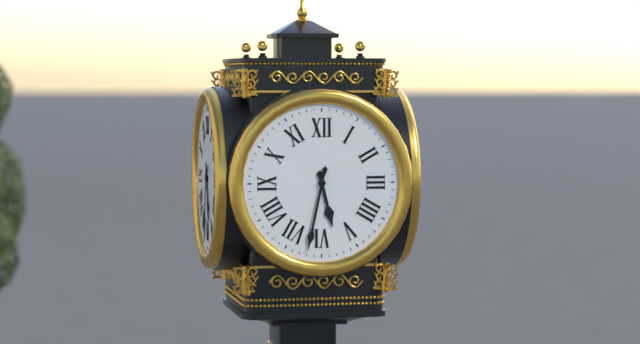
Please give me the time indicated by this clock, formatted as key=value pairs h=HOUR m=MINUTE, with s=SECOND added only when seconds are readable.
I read h=5 m=32
